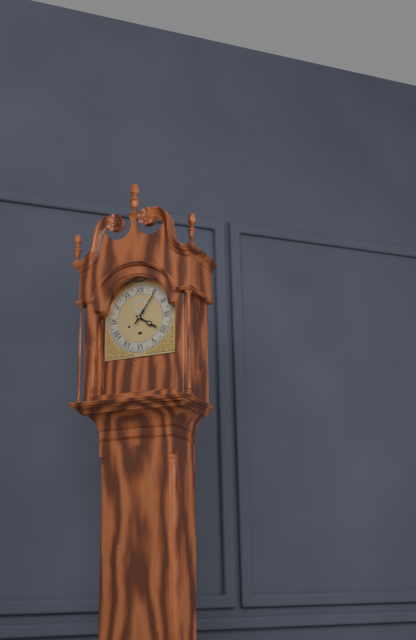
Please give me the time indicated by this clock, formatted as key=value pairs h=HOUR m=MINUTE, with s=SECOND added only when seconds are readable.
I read h=4 m=6
